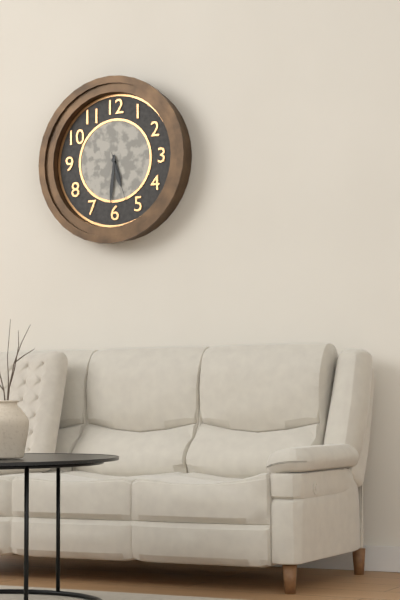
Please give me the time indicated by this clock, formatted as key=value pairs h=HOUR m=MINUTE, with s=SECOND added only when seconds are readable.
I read h=5 m=31 s=27
